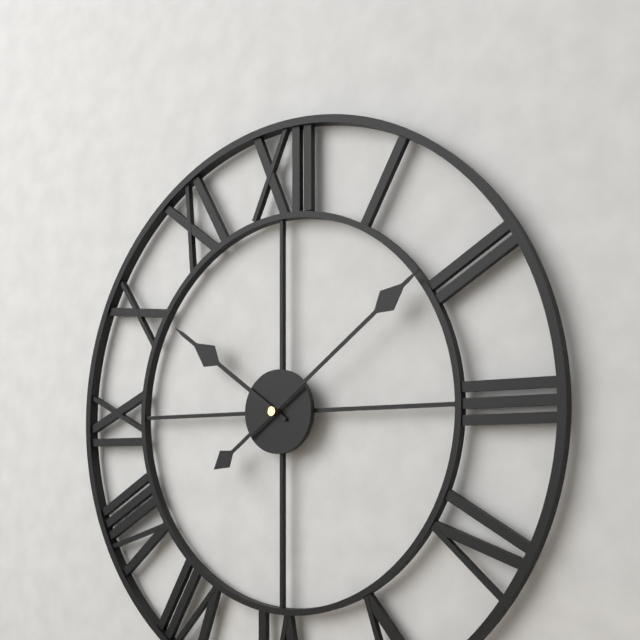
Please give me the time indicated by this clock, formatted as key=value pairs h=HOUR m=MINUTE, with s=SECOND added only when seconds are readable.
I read h=10 m=9
